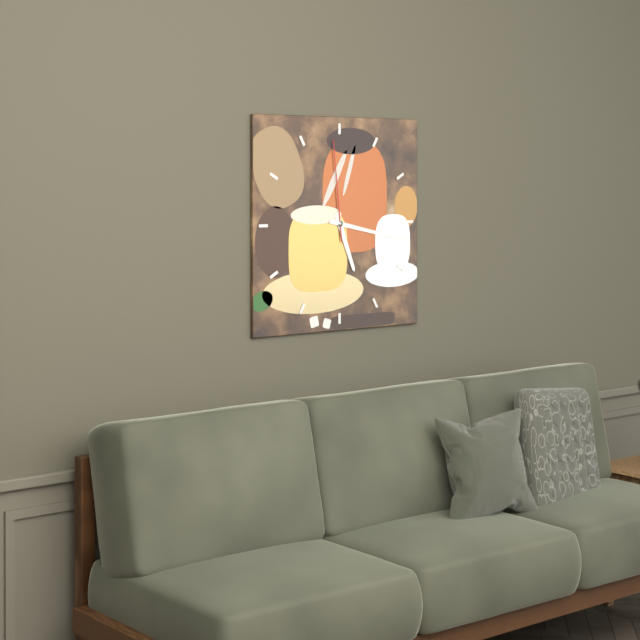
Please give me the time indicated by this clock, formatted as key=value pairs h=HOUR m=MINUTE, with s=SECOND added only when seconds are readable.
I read h=5 m=17 s=59
